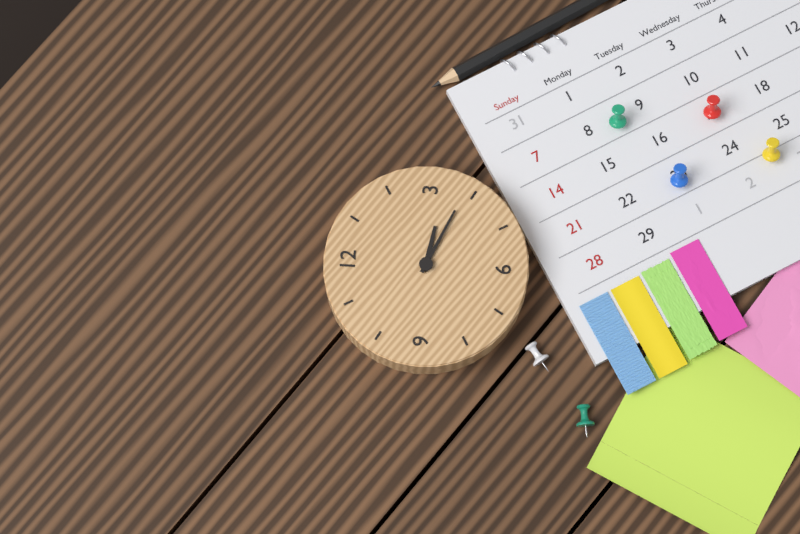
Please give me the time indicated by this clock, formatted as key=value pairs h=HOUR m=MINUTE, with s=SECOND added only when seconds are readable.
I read h=3 m=19
